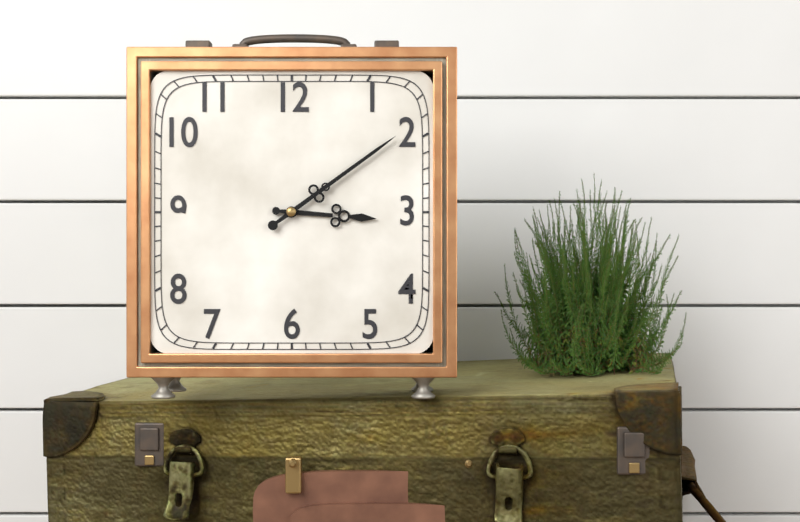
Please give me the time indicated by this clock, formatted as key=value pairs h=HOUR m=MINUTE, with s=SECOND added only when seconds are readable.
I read h=3 m=9
